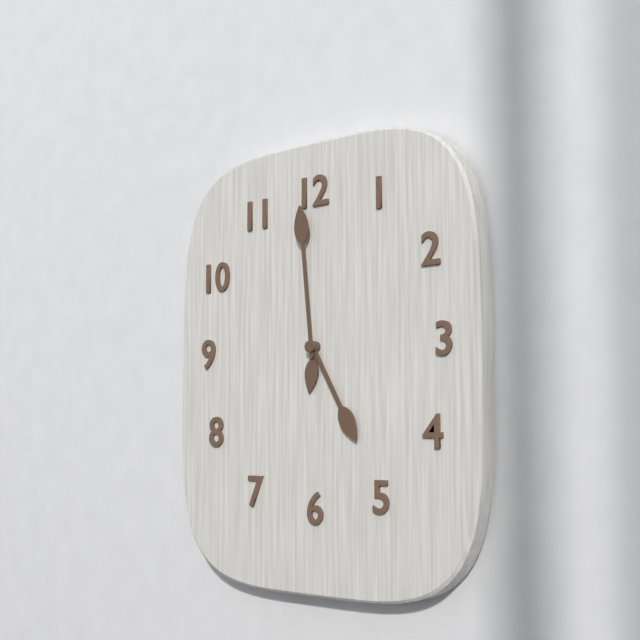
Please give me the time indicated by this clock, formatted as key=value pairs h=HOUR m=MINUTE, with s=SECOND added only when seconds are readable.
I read h=4 m=59
